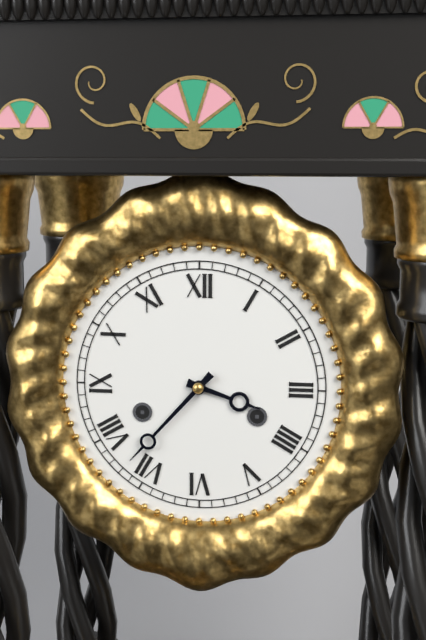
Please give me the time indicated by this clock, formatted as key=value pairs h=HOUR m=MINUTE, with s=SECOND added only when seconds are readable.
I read h=3 m=37
